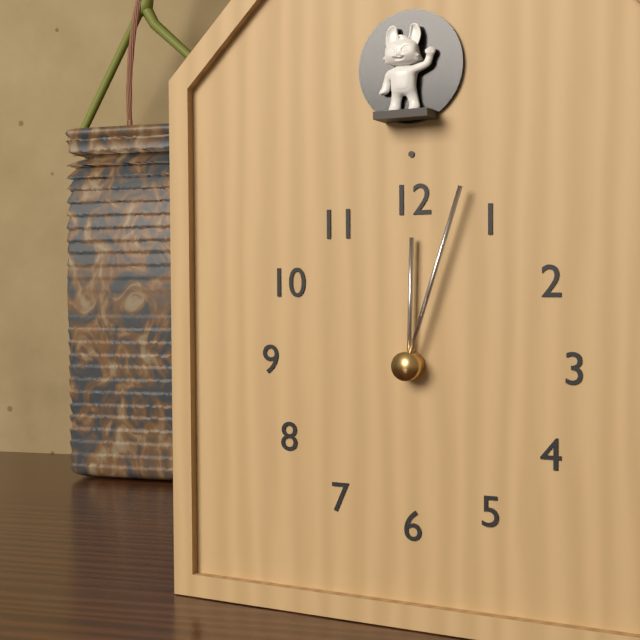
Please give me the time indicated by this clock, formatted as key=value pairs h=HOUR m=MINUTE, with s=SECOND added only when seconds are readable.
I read h=12 m=3
